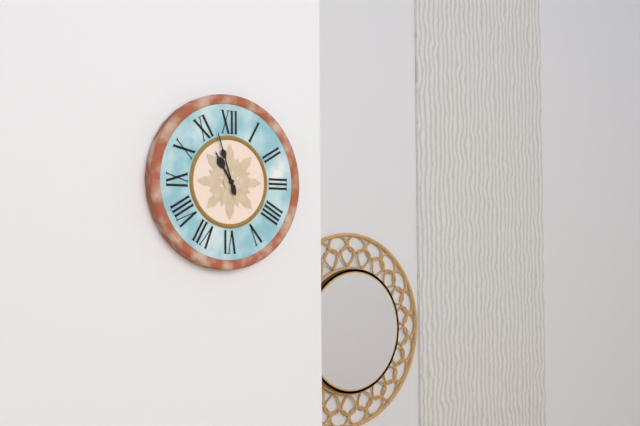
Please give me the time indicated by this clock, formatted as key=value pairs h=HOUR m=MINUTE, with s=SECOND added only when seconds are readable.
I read h=10 m=57
